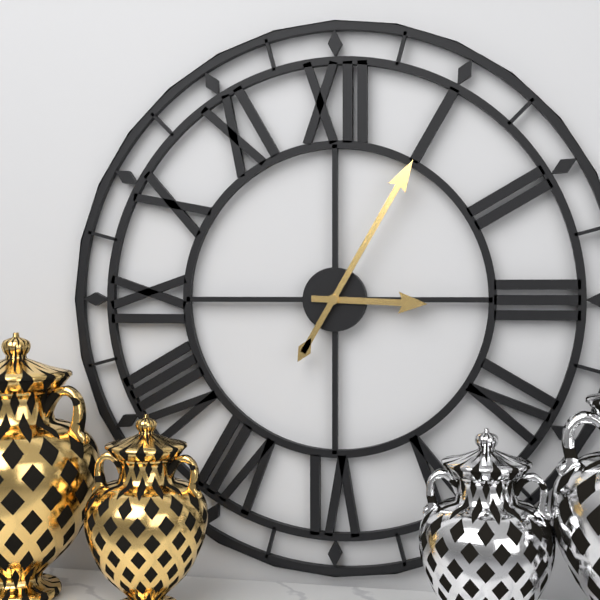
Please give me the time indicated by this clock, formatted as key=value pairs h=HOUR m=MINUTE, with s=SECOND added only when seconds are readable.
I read h=3 m=5
